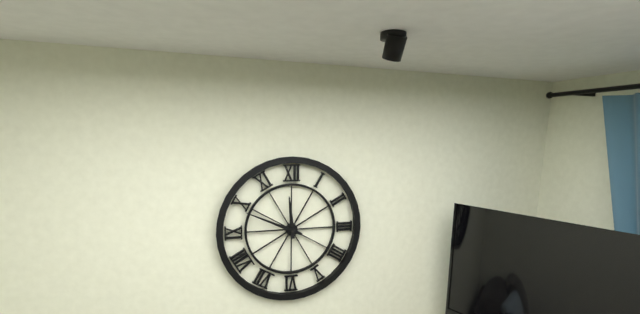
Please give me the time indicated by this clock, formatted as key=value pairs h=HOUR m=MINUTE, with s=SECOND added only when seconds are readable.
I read h=11 m=49
